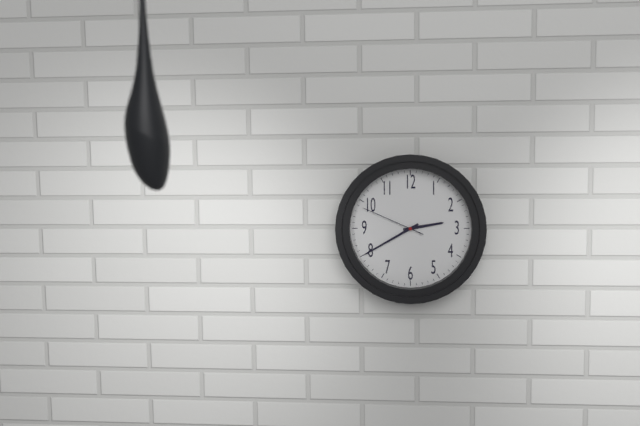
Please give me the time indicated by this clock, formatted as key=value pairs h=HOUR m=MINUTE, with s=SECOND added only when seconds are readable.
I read h=2 m=40 s=49
